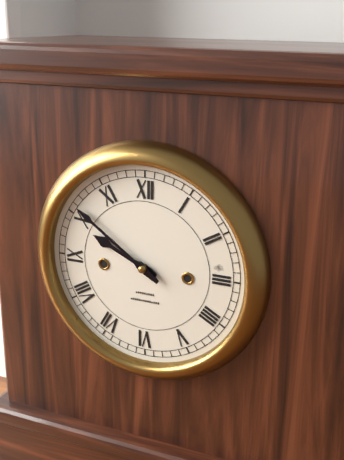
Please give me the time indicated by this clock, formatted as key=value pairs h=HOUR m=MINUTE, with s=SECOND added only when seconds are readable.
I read h=9 m=51
